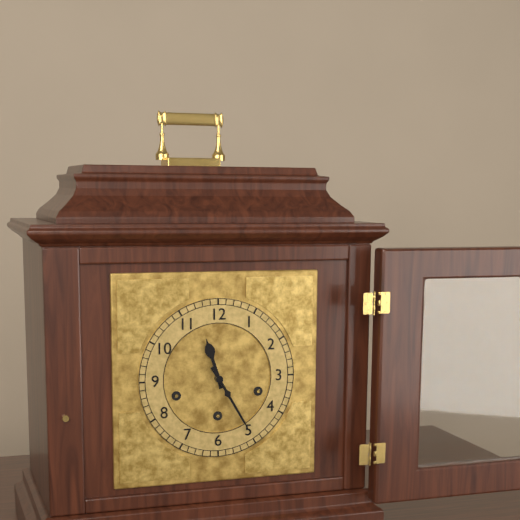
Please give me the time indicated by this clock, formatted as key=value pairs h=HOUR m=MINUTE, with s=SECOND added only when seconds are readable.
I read h=11 m=25
